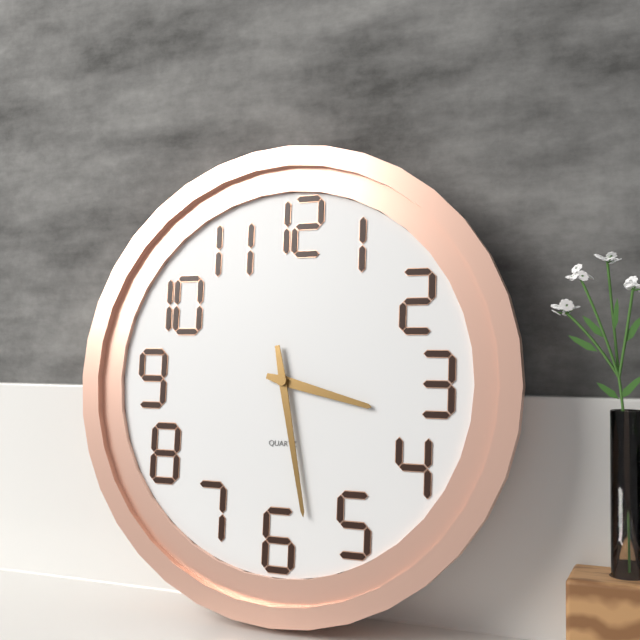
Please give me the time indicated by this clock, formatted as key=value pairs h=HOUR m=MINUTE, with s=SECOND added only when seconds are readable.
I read h=3 m=28
